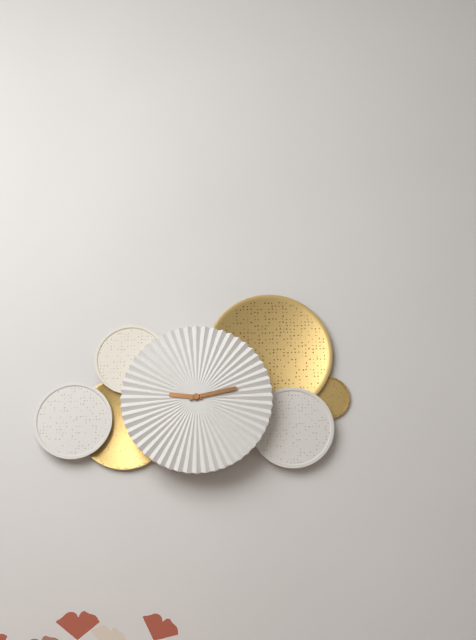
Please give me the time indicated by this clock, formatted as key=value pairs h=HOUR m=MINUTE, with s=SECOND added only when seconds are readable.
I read h=9 m=13
